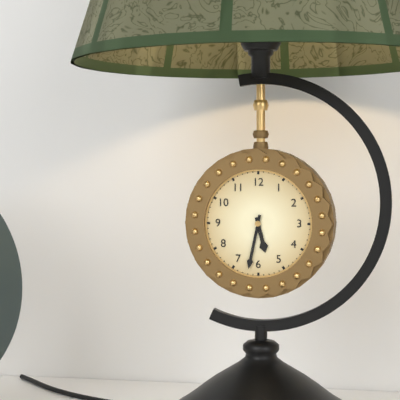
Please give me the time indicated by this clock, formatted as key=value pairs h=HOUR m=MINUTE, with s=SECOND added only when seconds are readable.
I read h=5 m=32
